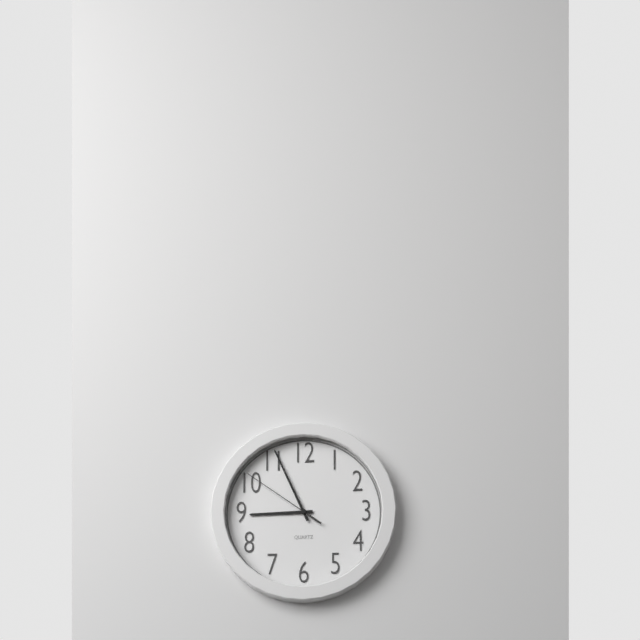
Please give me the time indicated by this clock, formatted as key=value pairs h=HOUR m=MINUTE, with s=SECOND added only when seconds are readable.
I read h=8 m=56 s=51
